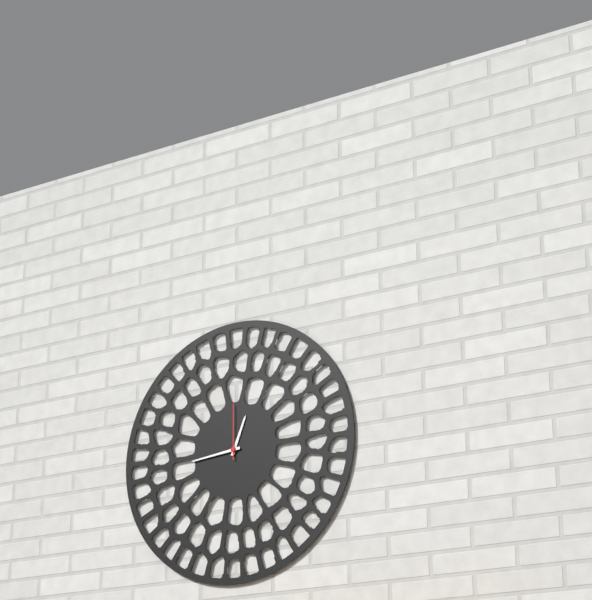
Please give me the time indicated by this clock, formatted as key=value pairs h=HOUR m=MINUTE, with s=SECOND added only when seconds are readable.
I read h=12 m=44 s=0
